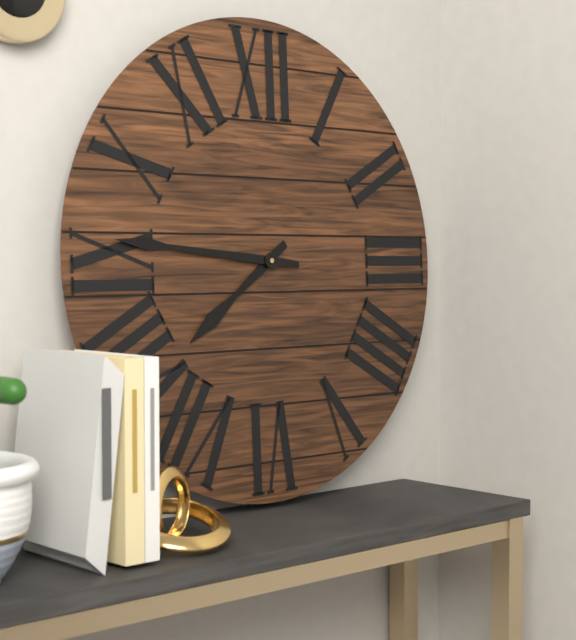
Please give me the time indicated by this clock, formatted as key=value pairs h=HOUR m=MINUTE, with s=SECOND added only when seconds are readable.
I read h=7 m=46
